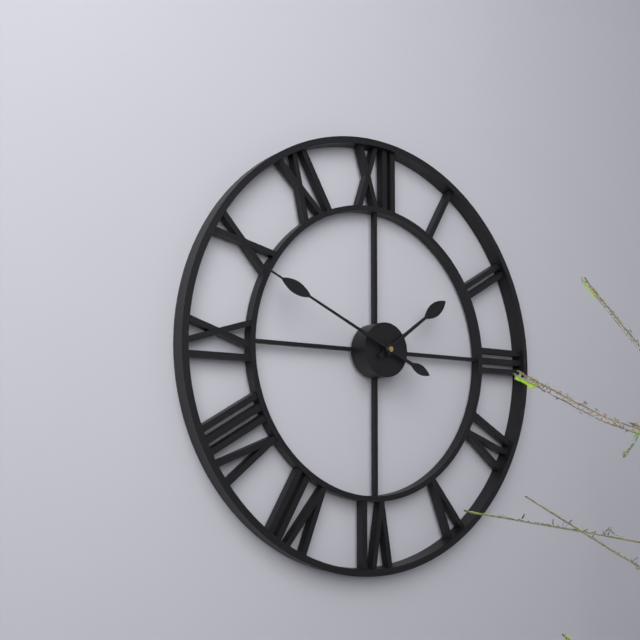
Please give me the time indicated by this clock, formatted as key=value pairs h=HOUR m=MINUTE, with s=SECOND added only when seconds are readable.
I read h=1 m=49
